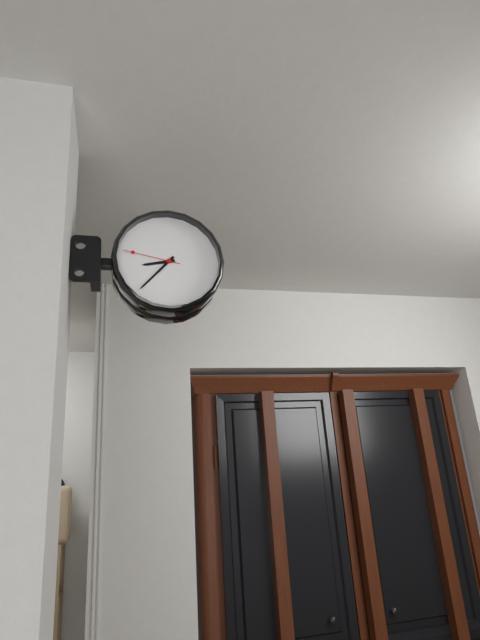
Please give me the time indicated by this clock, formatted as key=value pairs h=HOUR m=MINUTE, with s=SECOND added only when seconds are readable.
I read h=8 m=37 s=47
